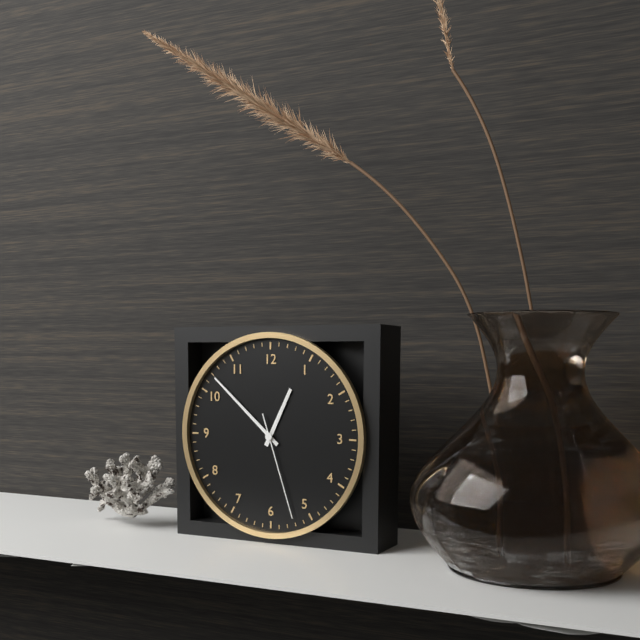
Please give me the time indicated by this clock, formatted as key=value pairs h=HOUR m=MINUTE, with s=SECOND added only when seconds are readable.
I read h=12 m=52 s=27
